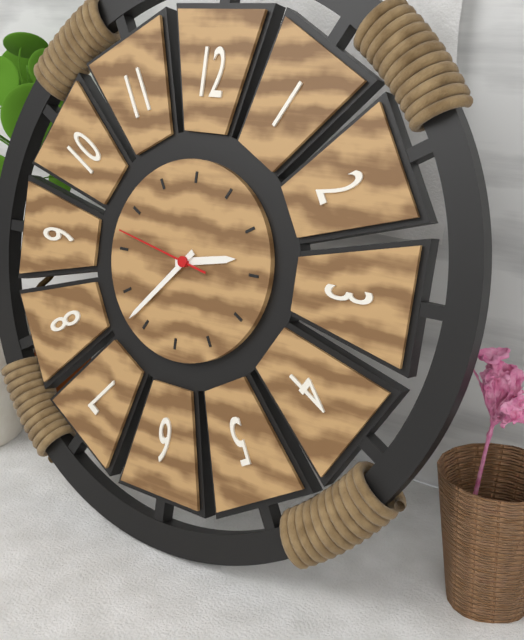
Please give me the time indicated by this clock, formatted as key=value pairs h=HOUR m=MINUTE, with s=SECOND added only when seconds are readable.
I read h=2 m=37 s=47
